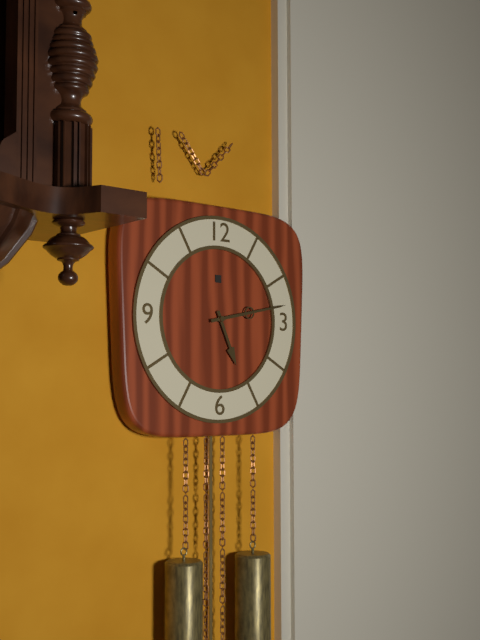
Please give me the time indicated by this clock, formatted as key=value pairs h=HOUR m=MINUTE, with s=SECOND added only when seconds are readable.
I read h=5 m=13
